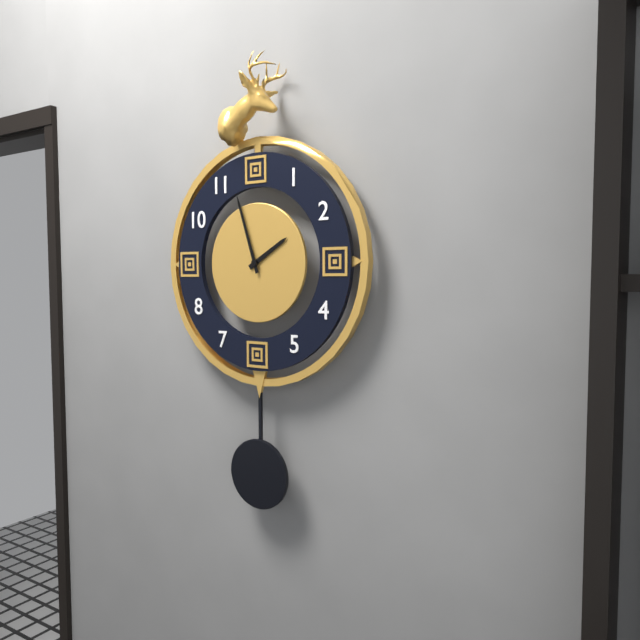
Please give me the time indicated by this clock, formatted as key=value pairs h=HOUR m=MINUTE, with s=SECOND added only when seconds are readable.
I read h=1 m=57
